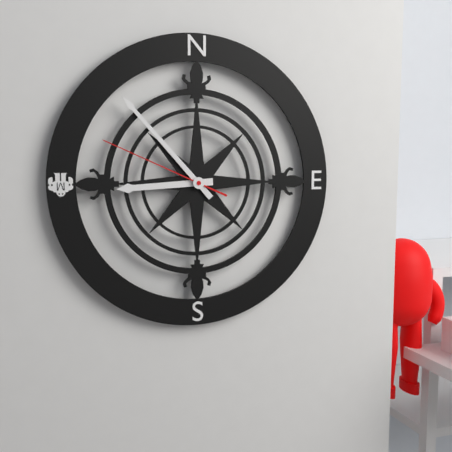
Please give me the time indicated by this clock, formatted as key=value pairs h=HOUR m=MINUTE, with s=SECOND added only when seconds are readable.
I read h=8 m=53 s=49
